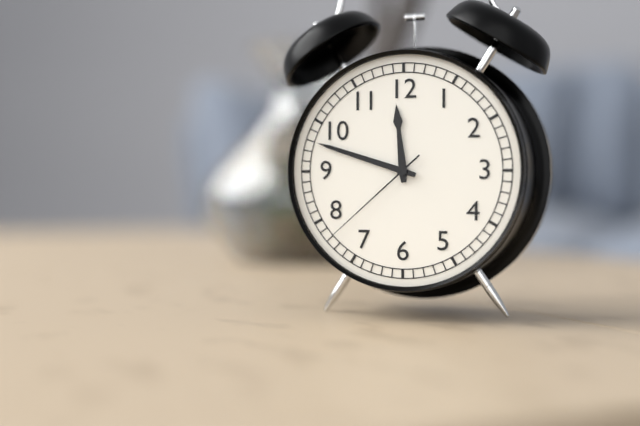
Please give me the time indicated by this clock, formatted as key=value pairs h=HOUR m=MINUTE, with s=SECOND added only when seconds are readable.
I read h=11 m=48 s=38
